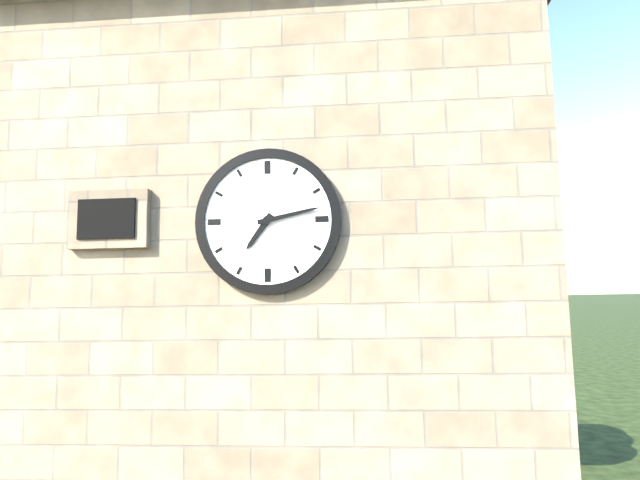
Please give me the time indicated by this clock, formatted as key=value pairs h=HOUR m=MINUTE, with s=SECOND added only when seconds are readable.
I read h=7 m=13
